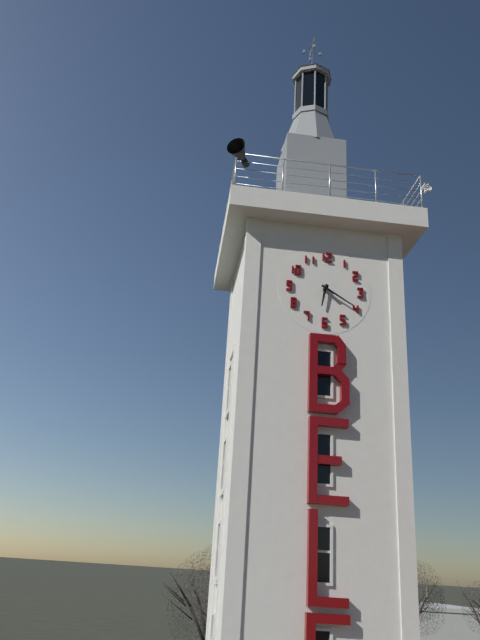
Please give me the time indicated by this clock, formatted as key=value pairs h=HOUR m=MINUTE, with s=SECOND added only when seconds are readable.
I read h=6 m=20
